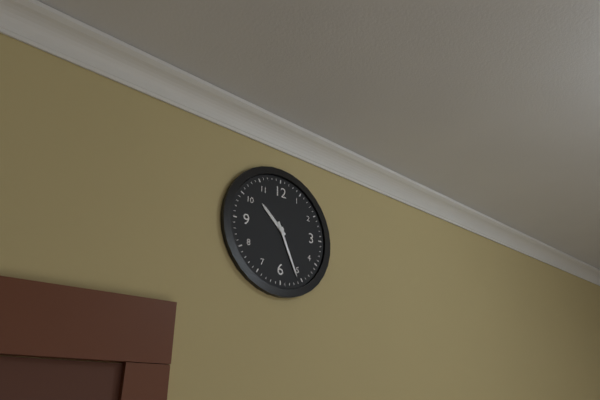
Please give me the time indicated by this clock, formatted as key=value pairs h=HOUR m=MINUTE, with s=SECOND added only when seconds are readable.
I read h=10 m=26
